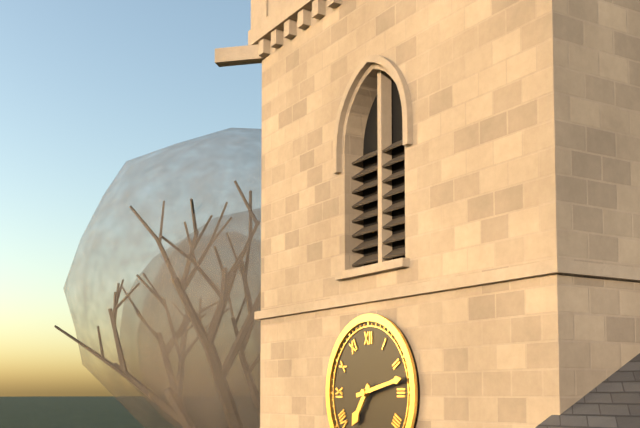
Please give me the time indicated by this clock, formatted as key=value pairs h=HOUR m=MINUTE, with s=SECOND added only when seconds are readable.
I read h=7 m=13
